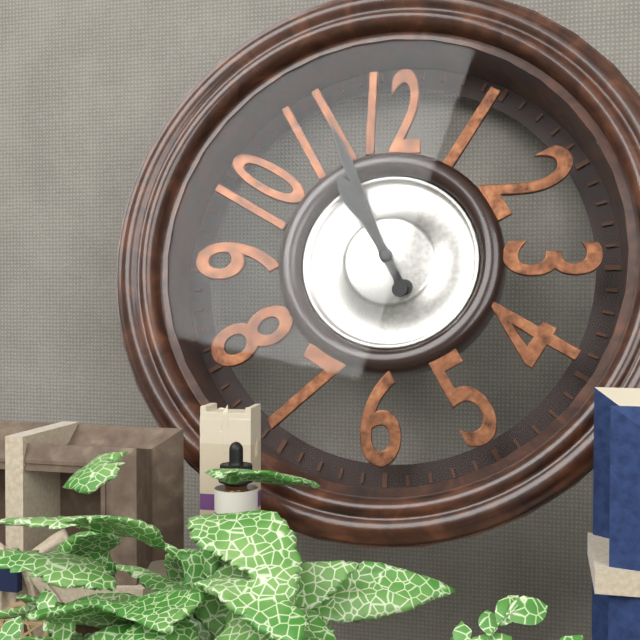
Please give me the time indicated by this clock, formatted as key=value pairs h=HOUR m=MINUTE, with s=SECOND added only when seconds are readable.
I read h=10 m=56
